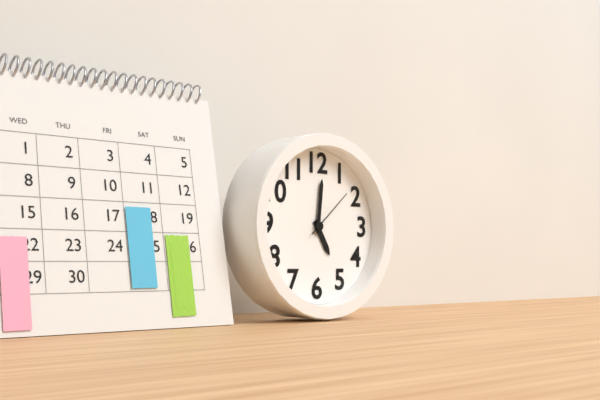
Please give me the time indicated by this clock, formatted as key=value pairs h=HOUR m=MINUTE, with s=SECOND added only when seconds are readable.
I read h=5 m=1 s=8
